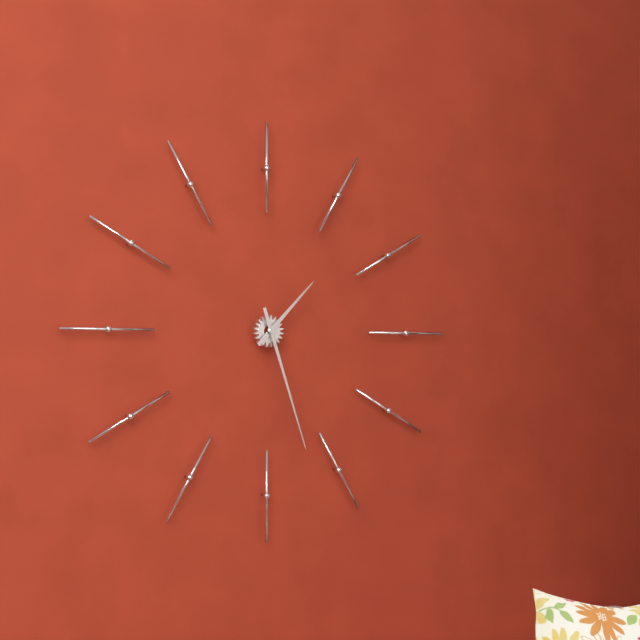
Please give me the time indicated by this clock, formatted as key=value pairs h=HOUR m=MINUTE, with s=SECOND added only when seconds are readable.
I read h=1 m=27
